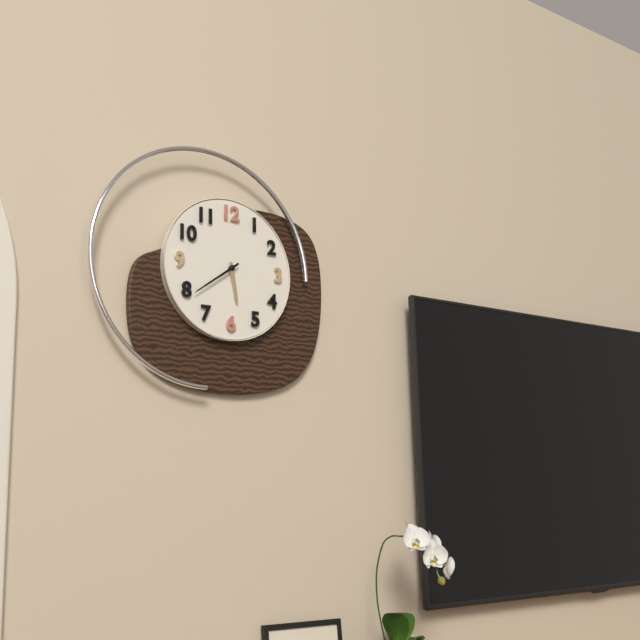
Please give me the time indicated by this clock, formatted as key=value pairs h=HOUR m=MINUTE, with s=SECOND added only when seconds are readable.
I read h=5 m=39
